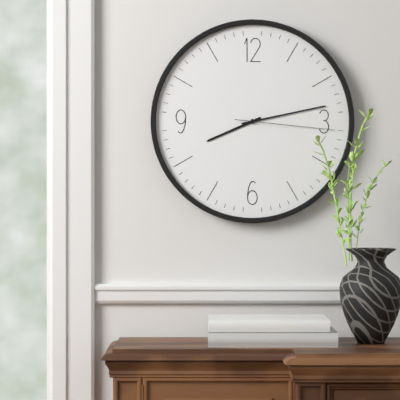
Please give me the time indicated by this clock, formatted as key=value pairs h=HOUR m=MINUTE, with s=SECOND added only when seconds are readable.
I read h=8 m=13 s=16
